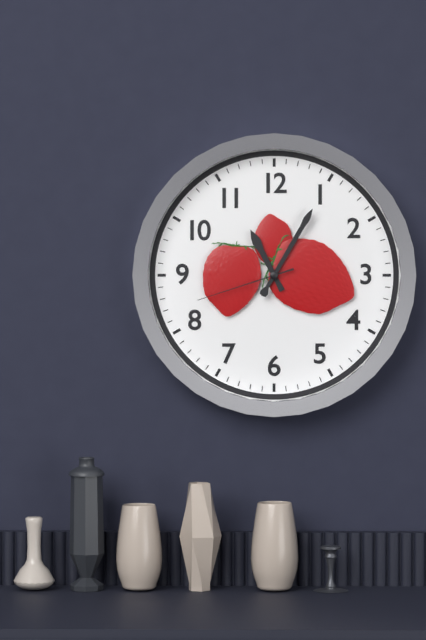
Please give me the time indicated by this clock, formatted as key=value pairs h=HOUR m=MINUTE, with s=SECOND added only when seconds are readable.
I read h=11 m=5 s=42
